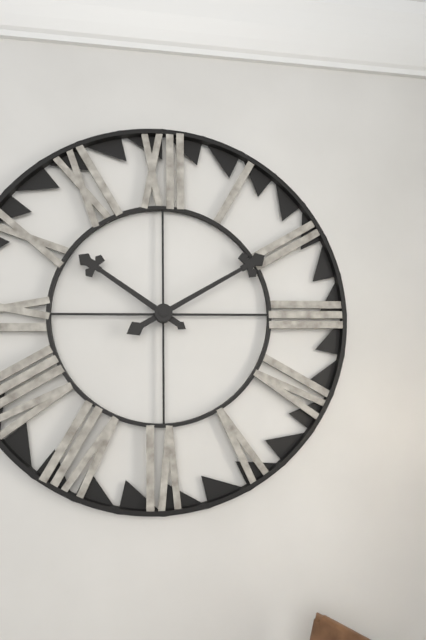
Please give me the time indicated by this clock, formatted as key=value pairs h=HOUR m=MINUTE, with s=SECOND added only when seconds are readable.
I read h=10 m=10
